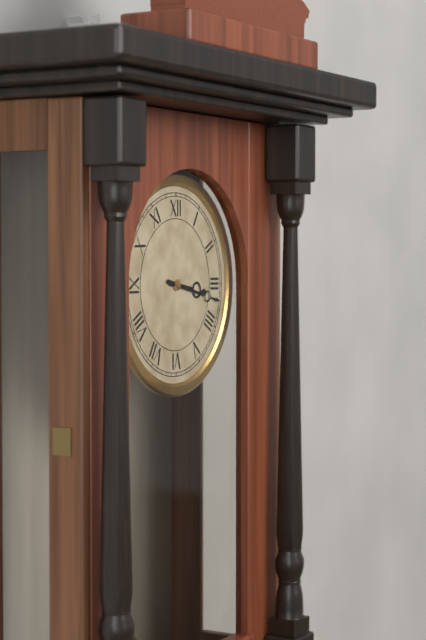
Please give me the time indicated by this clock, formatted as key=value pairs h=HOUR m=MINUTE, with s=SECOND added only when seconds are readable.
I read h=3 m=17
